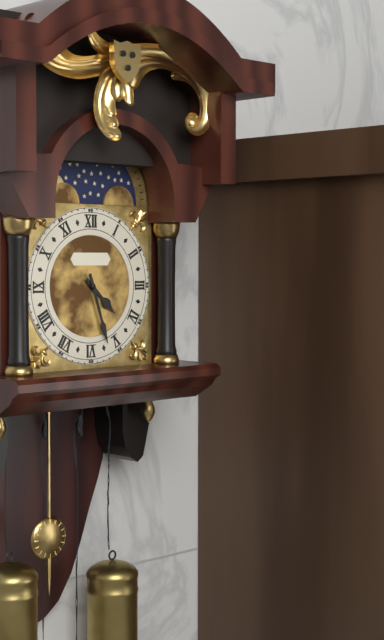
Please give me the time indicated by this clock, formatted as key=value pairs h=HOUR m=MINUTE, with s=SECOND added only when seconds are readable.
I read h=4 m=27
